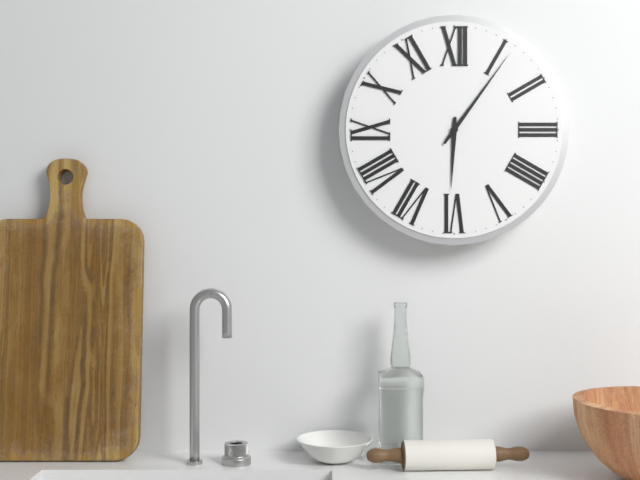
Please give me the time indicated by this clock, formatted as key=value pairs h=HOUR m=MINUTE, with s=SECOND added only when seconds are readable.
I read h=6 m=6
